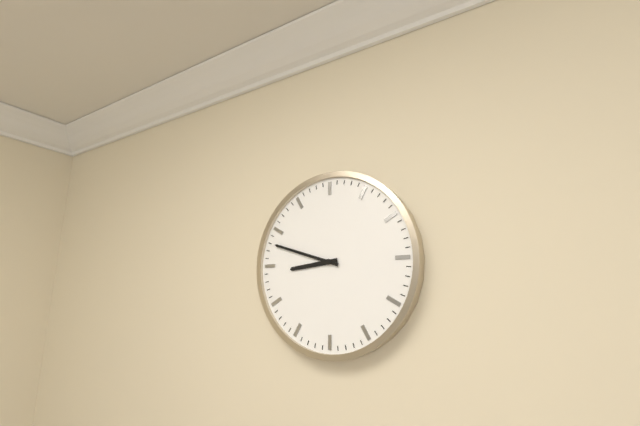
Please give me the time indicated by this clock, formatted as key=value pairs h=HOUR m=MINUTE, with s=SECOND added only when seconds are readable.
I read h=8 m=48
